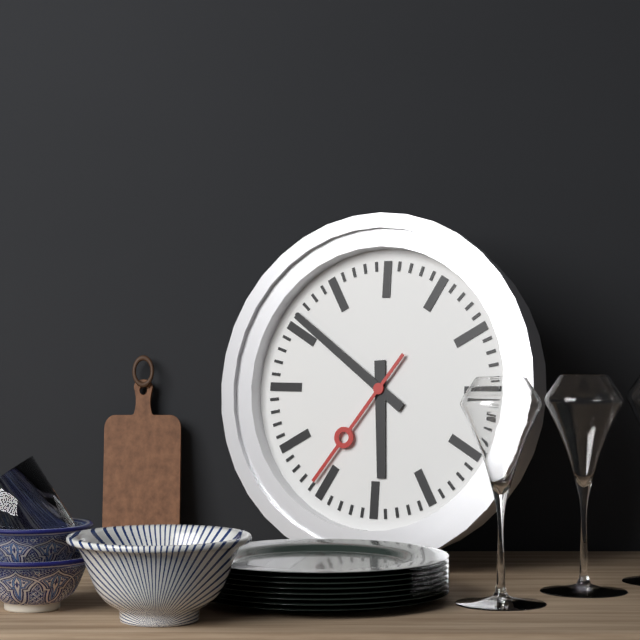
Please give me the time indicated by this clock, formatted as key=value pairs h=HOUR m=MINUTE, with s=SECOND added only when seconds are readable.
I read h=5 m=51 s=36
